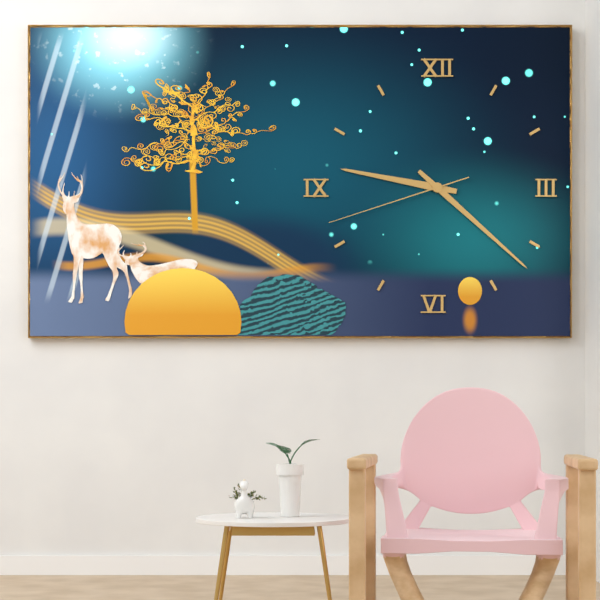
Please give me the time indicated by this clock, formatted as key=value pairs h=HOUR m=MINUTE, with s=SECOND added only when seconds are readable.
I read h=9 m=22 s=42
